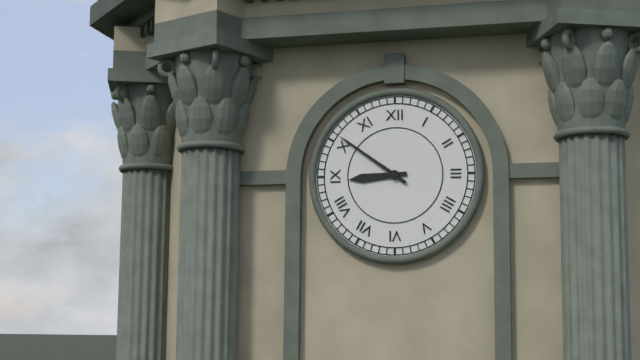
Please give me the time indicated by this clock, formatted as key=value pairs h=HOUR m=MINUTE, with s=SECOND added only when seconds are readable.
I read h=8 m=51
